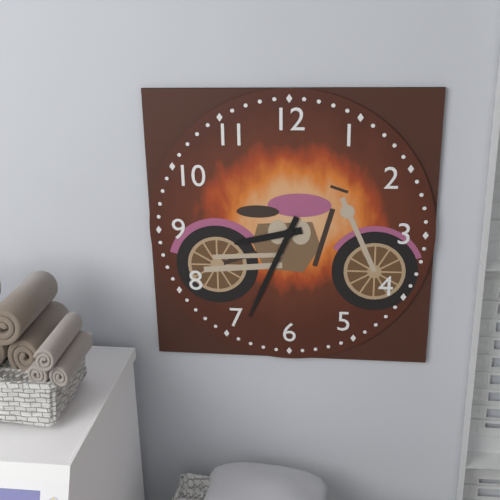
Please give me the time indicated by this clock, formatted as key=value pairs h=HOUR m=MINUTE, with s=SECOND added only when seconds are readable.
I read h=8 m=34
